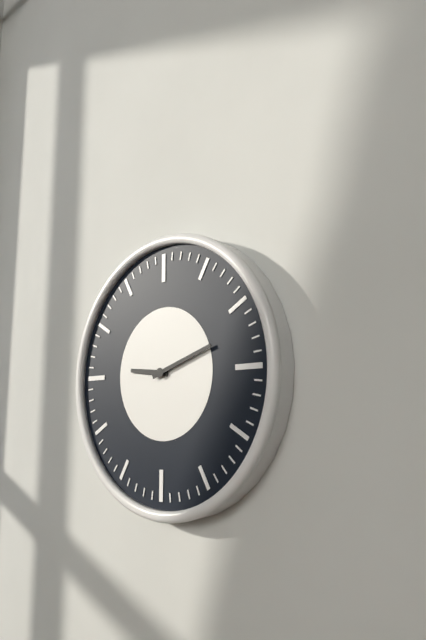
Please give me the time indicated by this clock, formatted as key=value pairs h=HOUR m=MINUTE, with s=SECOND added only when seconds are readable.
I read h=9 m=12
